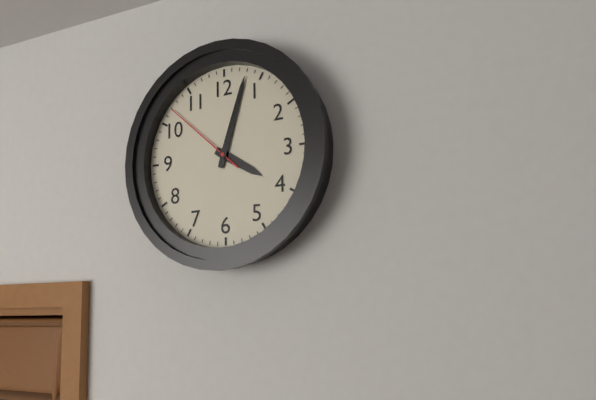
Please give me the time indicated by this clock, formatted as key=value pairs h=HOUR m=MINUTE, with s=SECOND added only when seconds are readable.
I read h=4 m=3 s=52
